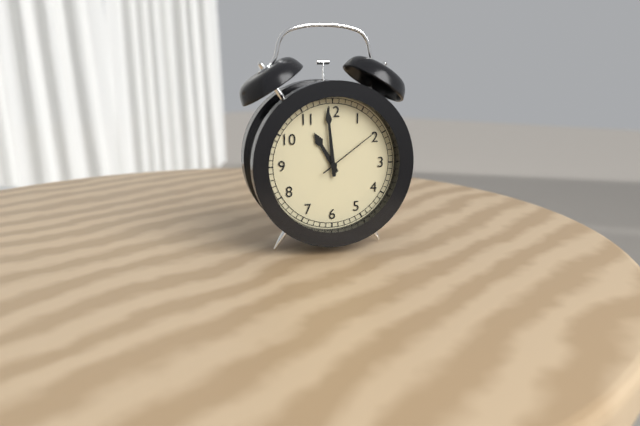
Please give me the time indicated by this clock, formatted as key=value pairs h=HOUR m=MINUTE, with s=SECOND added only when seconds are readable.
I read h=10 m=59 s=9
